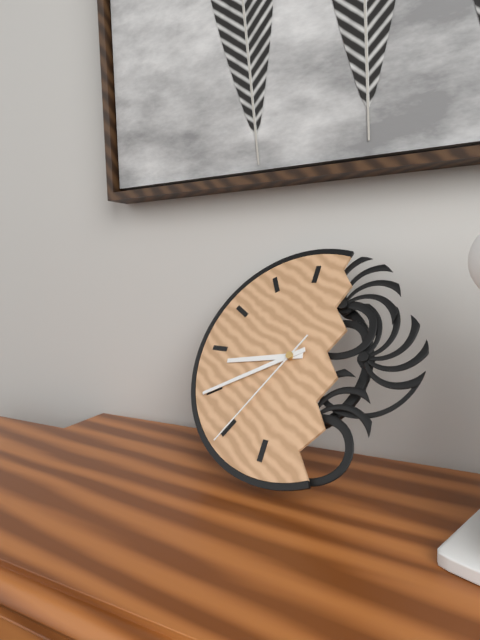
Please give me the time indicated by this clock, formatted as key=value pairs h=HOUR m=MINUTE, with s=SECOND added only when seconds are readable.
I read h=8 m=40 s=35
